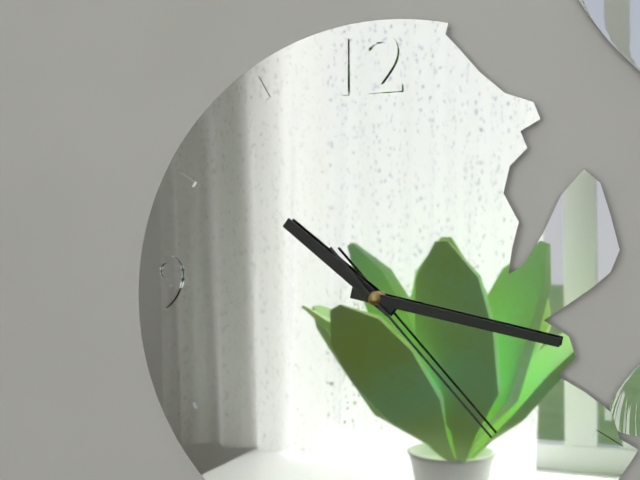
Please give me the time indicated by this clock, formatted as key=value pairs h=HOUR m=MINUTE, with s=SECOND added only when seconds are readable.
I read h=10 m=17 s=23
